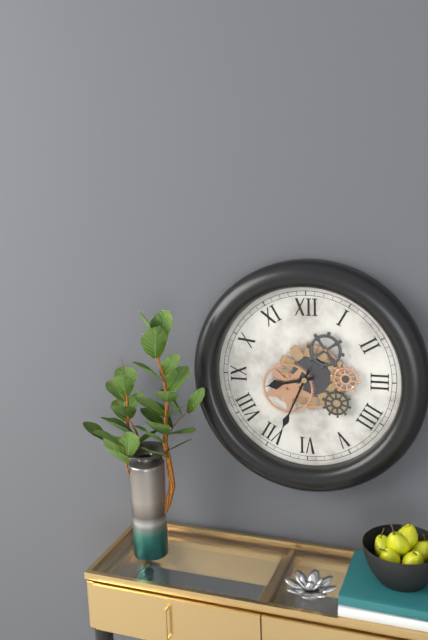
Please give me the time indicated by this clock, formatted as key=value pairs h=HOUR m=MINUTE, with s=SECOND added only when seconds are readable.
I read h=8 m=34
